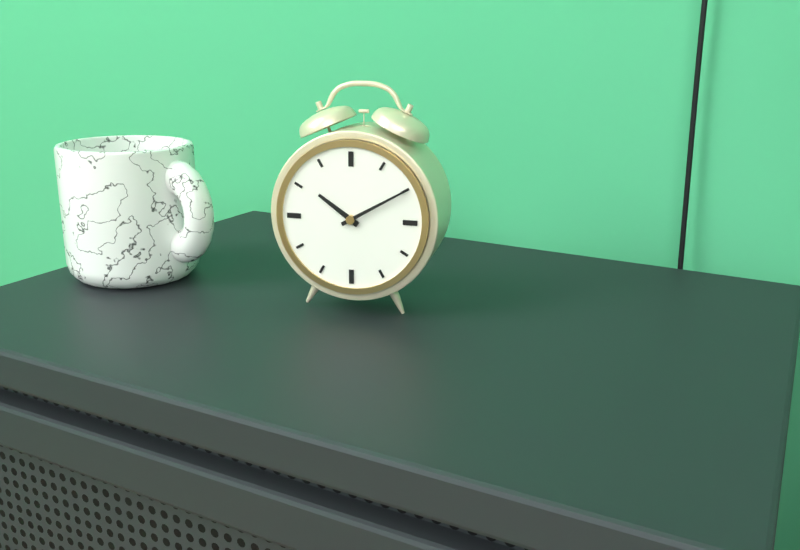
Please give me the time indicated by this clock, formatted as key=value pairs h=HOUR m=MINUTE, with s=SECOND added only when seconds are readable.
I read h=10 m=10
